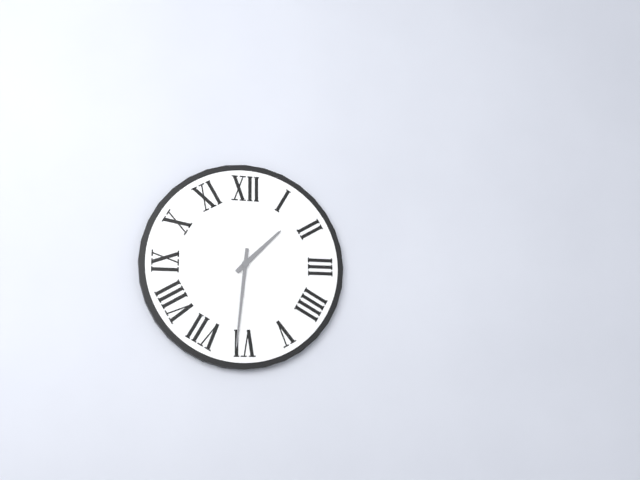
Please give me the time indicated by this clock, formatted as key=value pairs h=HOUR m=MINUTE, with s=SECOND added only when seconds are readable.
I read h=1 m=31
